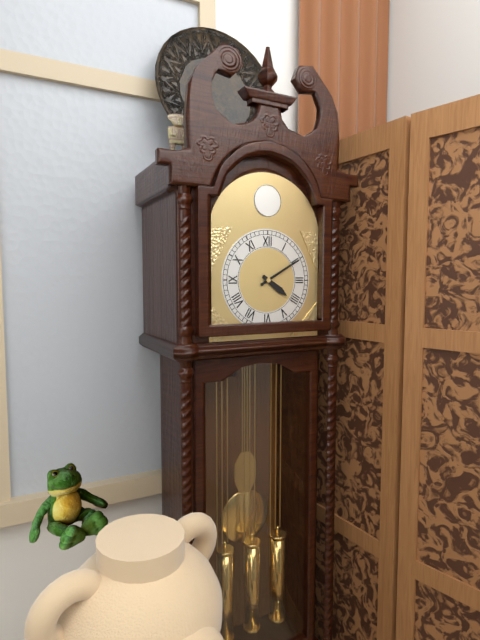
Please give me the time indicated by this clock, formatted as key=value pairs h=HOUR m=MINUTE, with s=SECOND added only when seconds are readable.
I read h=4 m=10
